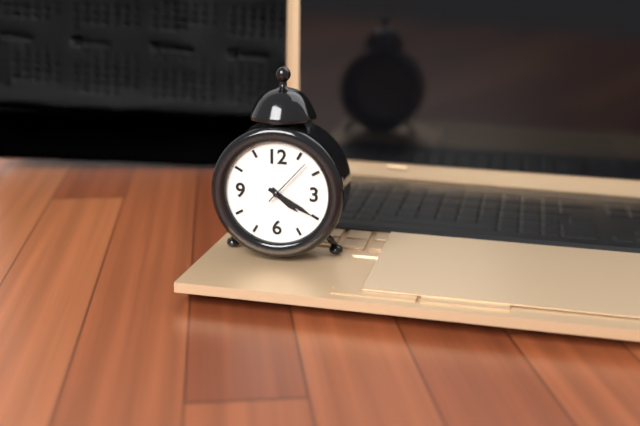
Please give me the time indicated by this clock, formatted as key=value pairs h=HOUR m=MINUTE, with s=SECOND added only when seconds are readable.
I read h=4 m=20 s=7
